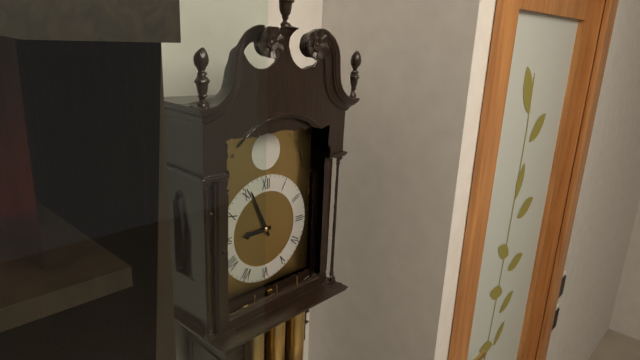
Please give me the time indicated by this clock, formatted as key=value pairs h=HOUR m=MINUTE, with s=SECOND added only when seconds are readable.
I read h=8 m=56
